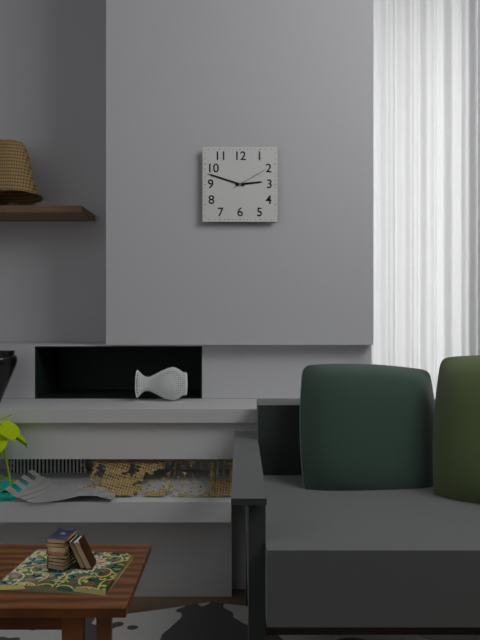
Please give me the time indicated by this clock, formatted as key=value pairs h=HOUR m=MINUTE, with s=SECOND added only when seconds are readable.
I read h=2 m=48
